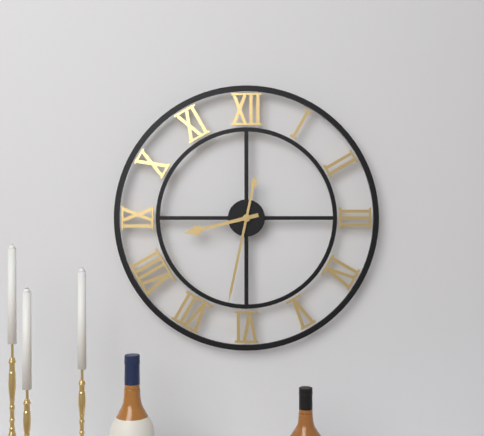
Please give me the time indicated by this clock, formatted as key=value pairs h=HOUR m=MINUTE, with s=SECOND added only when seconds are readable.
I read h=8 m=32
